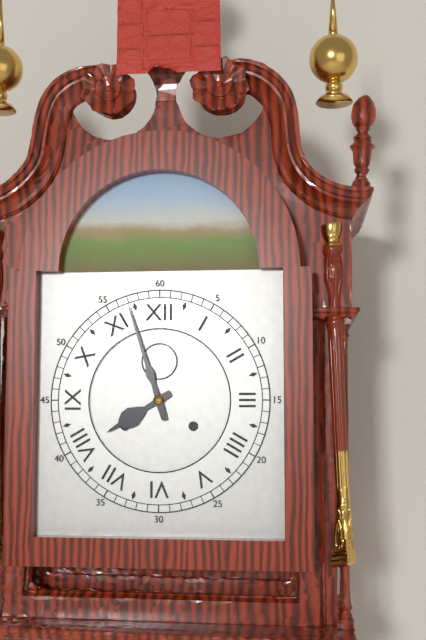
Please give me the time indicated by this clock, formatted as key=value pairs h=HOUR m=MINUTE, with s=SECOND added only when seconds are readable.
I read h=7 m=57
